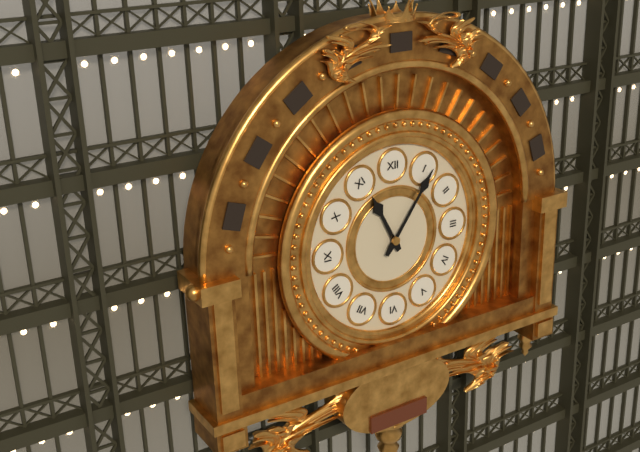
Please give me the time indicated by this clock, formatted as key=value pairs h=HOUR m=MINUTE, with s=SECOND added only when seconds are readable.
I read h=11 m=6
